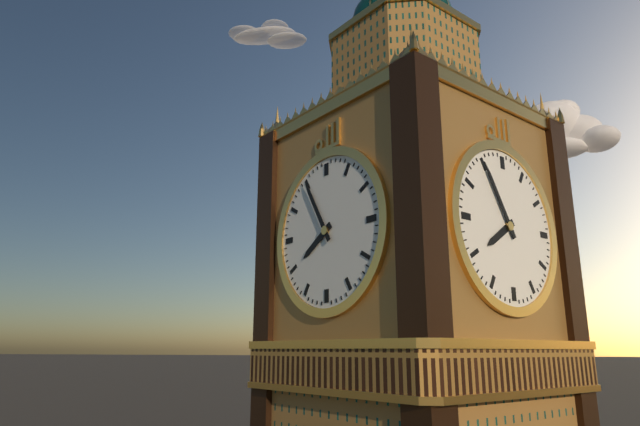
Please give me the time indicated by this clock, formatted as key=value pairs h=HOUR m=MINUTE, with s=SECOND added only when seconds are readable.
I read h=7 m=55
